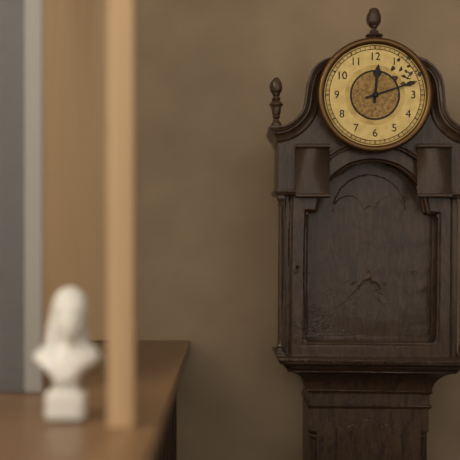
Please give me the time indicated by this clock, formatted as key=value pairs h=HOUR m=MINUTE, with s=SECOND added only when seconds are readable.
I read h=12 m=12
